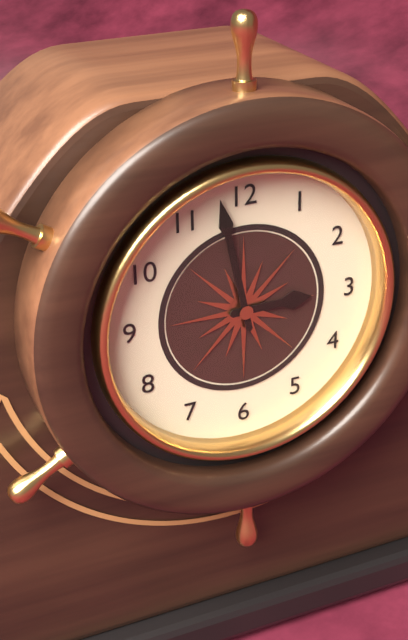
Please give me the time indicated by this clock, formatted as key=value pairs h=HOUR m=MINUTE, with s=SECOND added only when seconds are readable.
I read h=2 m=58
